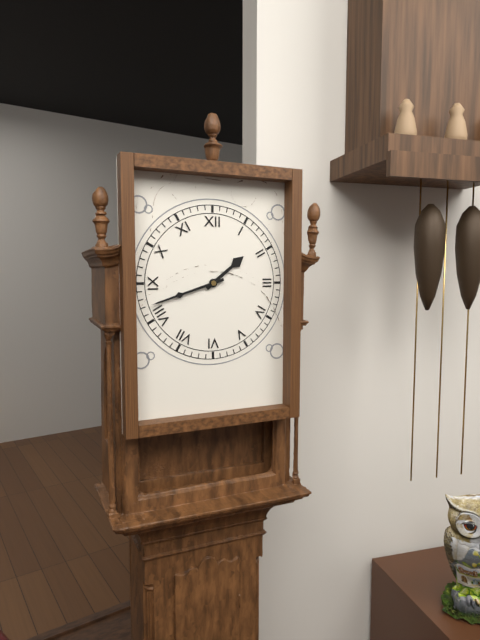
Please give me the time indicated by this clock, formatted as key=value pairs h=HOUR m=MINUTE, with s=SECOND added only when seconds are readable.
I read h=1 m=42
